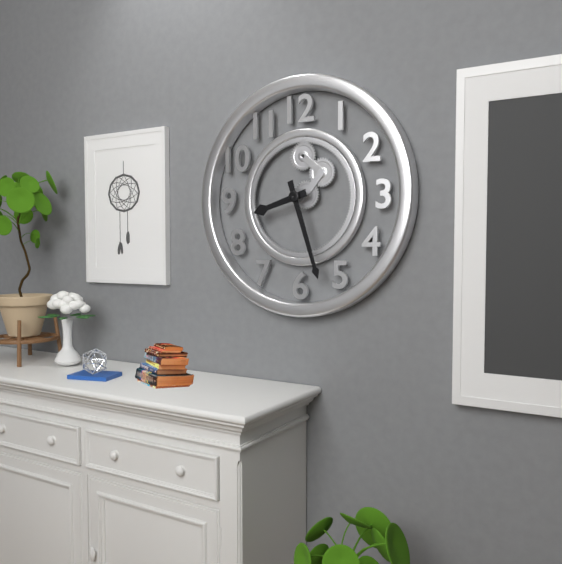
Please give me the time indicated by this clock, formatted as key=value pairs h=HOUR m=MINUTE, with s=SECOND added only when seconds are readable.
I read h=8 m=27
